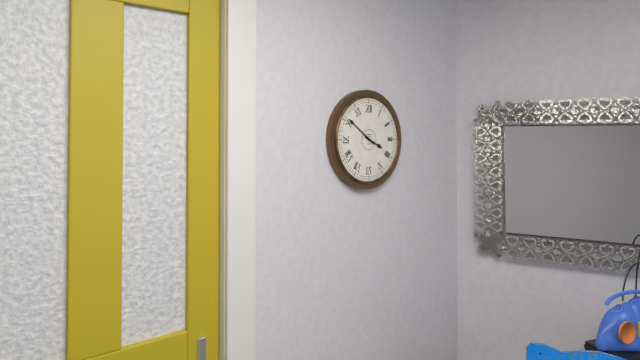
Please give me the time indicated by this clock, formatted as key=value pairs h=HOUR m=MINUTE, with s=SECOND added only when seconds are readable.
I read h=3 m=51
